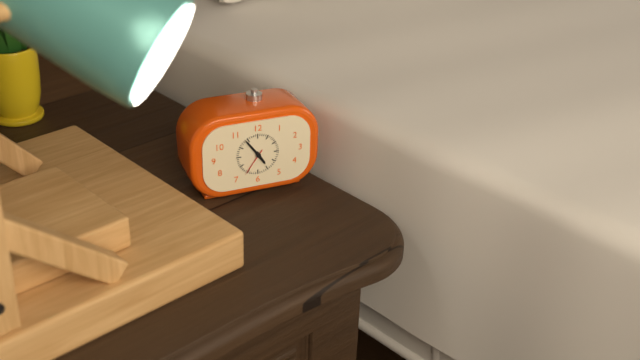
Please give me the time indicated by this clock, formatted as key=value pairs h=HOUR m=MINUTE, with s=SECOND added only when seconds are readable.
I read h=4 m=54
